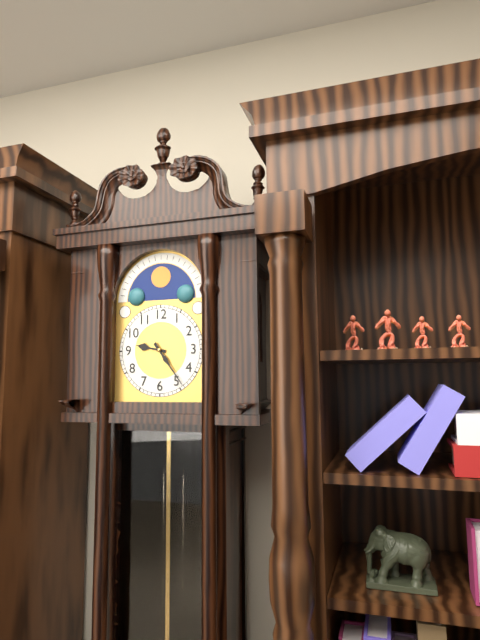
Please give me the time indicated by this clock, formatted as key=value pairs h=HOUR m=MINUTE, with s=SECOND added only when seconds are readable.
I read h=9 m=24
